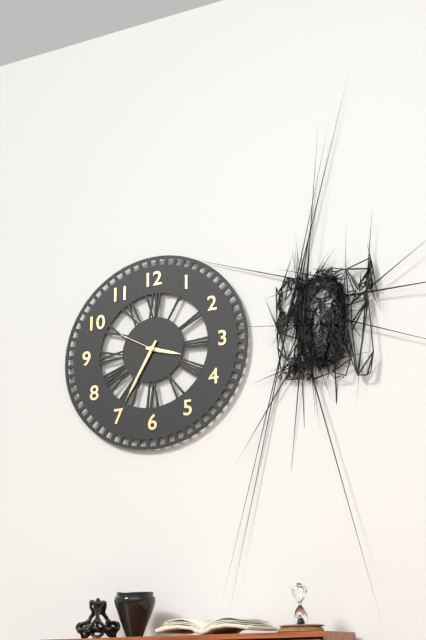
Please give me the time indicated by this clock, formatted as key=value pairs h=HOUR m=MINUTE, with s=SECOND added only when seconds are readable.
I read h=3 m=35
